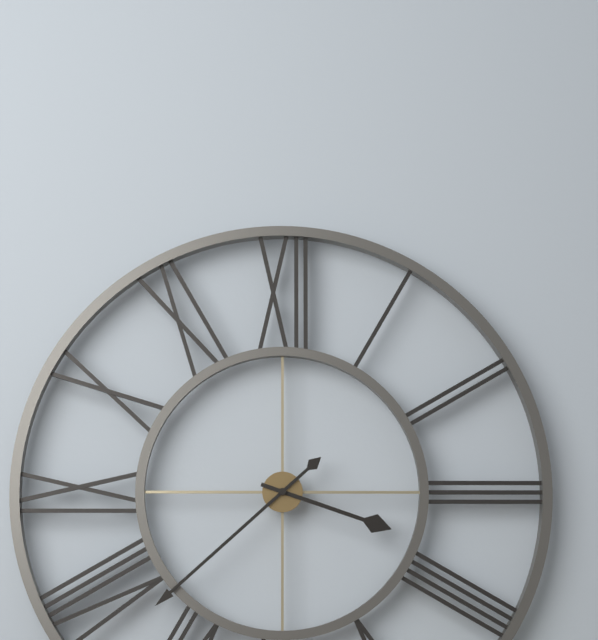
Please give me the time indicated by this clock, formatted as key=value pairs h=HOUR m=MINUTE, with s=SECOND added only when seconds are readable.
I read h=3 m=38
